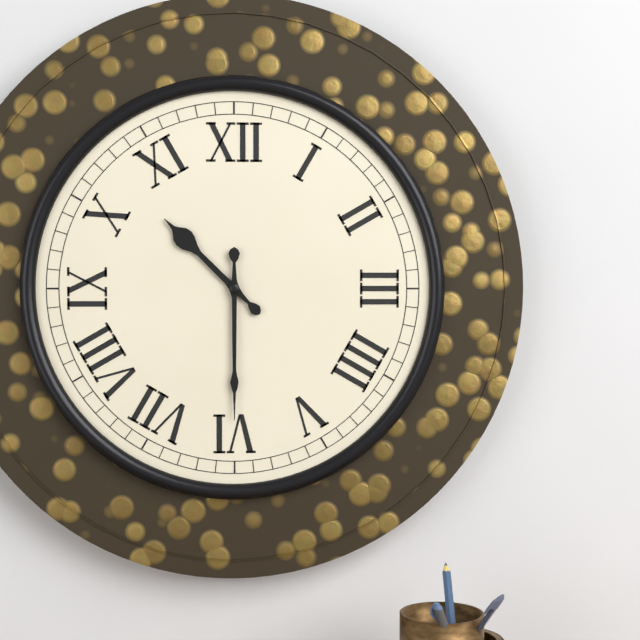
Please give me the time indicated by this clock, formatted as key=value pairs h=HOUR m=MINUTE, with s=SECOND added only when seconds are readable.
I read h=10 m=30
